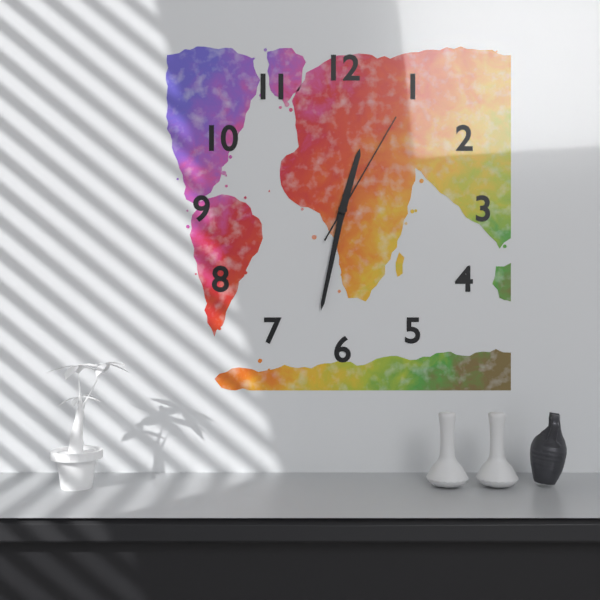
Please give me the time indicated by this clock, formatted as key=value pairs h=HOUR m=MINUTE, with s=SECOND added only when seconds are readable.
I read h=12 m=32 s=5
